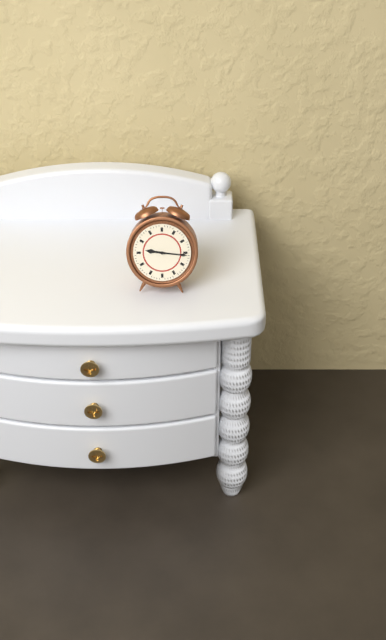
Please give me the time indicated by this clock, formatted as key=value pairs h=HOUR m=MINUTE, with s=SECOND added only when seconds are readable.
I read h=9 m=16
